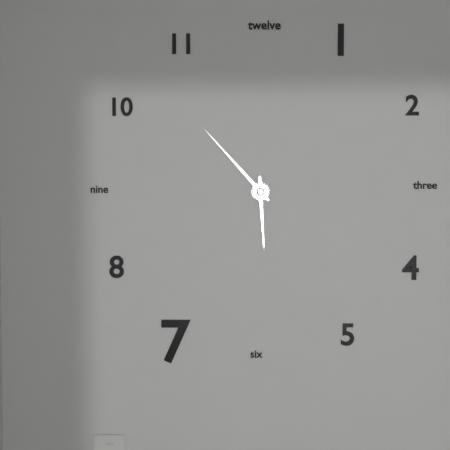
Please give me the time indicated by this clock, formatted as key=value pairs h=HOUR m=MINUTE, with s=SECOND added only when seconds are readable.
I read h=5 m=53
